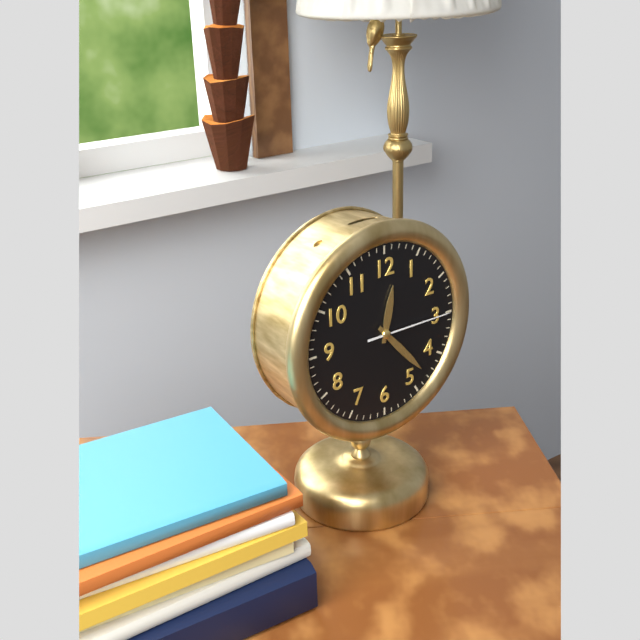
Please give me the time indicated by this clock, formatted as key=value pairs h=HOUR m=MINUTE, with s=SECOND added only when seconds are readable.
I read h=12 m=23 s=15
